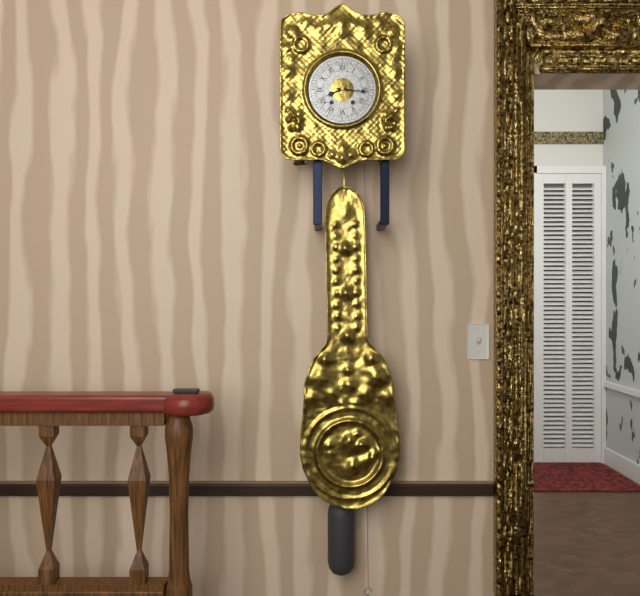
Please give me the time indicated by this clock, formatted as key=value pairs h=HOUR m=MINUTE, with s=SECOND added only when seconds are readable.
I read h=8 m=16
